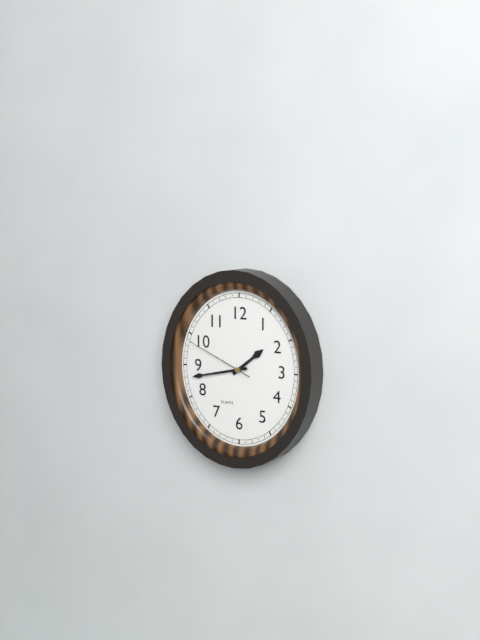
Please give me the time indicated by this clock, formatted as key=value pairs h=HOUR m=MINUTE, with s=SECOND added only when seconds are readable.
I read h=1 m=43 s=49
